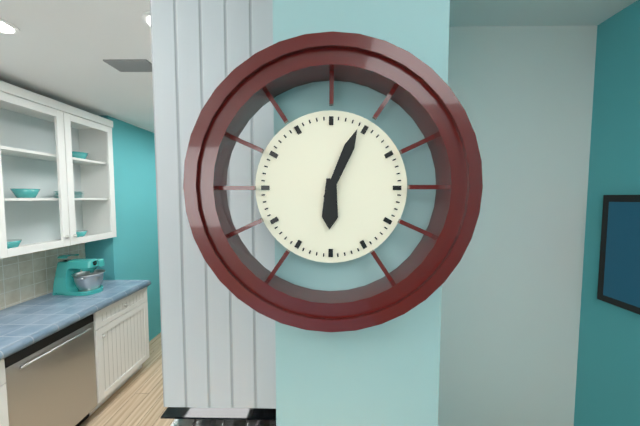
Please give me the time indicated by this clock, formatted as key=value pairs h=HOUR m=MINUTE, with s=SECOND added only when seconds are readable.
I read h=6 m=4
